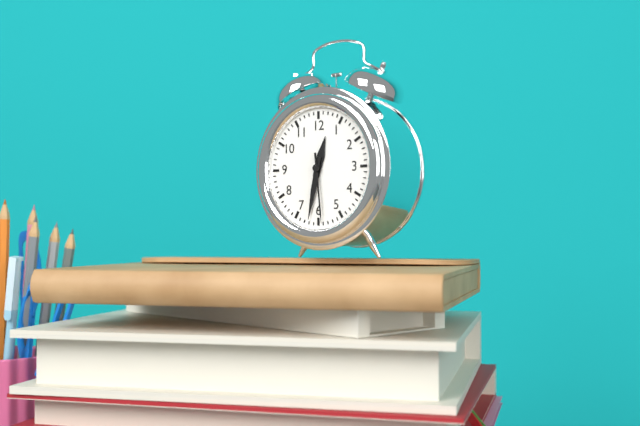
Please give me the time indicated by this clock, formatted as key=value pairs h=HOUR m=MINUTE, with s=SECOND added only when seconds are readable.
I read h=12 m=32 s=29
